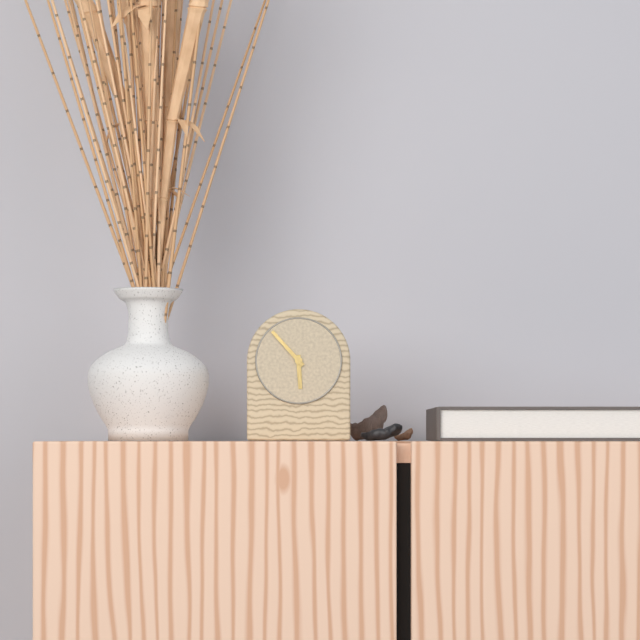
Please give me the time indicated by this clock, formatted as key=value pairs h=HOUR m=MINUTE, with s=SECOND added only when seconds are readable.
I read h=5 m=53
